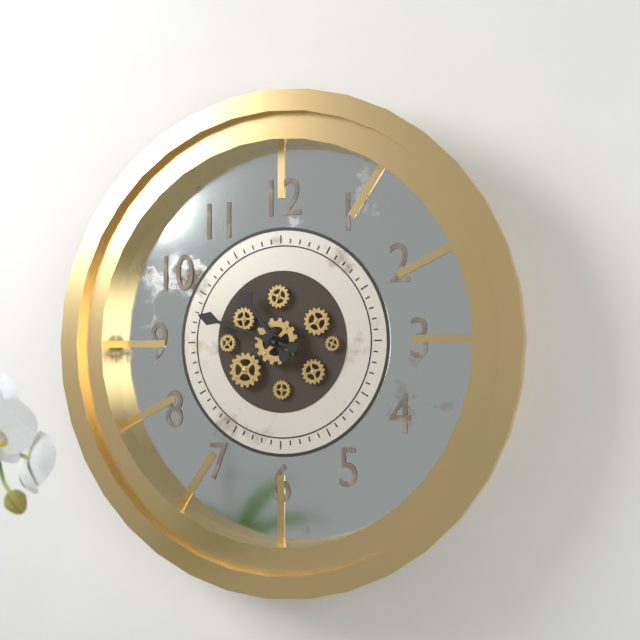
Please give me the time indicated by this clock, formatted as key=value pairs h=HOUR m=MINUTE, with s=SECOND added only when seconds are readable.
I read h=10 m=48
